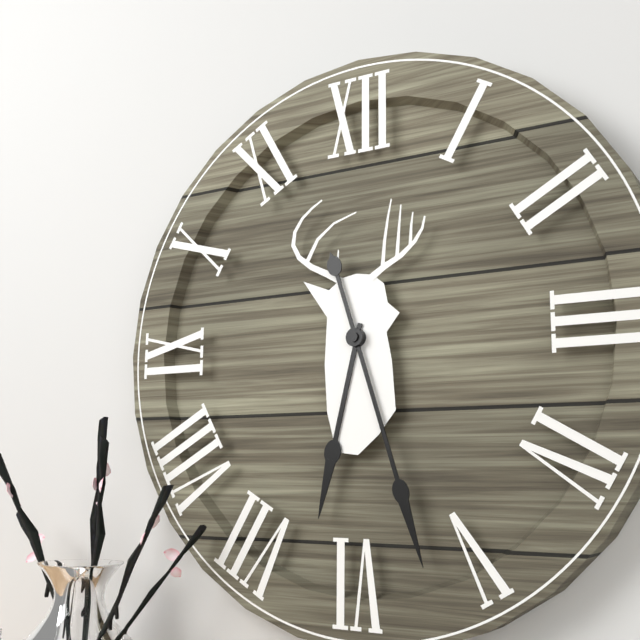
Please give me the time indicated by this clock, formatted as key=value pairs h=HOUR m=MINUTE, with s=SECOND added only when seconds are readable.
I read h=6 m=27
